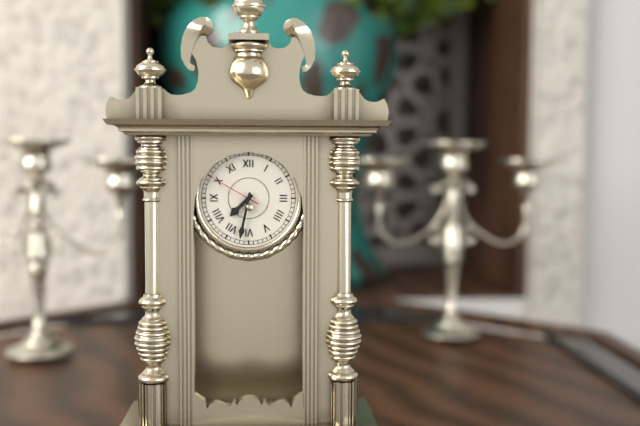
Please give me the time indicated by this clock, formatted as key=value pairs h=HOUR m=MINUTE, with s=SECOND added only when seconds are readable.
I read h=7 m=32 s=50
